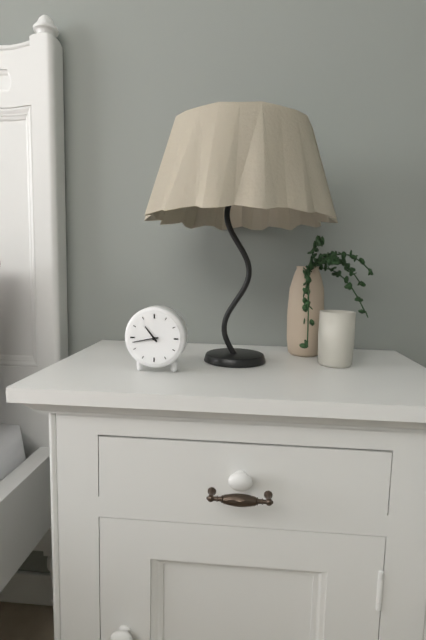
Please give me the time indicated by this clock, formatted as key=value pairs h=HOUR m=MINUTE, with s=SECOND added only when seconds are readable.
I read h=10 m=43
